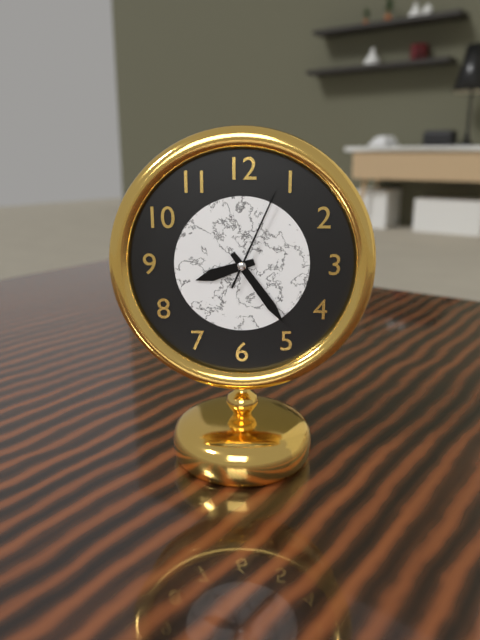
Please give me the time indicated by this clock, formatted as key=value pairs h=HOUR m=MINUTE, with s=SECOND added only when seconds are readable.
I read h=8 m=24 s=4
